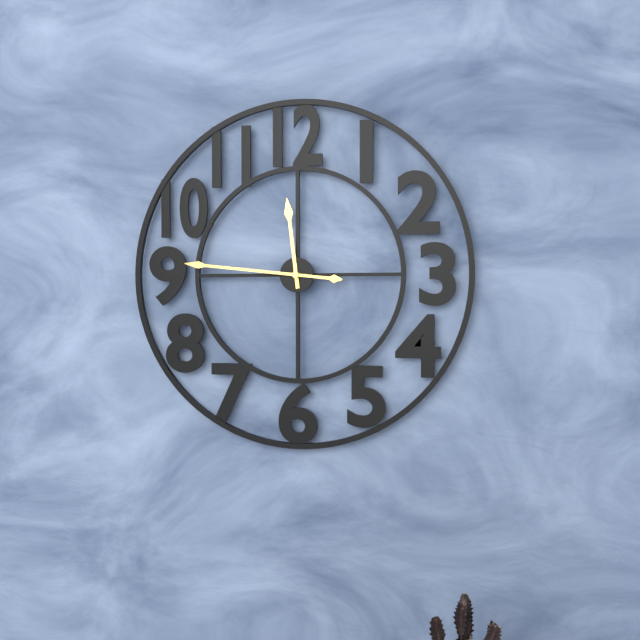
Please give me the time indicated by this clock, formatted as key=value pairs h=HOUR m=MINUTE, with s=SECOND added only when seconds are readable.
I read h=11 m=46
